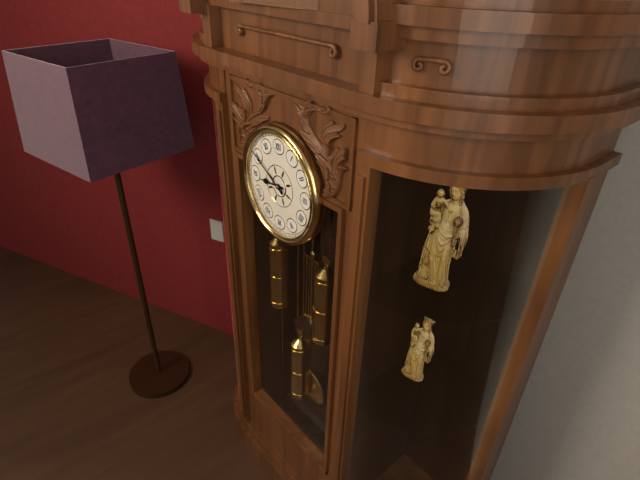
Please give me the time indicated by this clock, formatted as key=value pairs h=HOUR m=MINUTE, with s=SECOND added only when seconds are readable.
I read h=8 m=50
